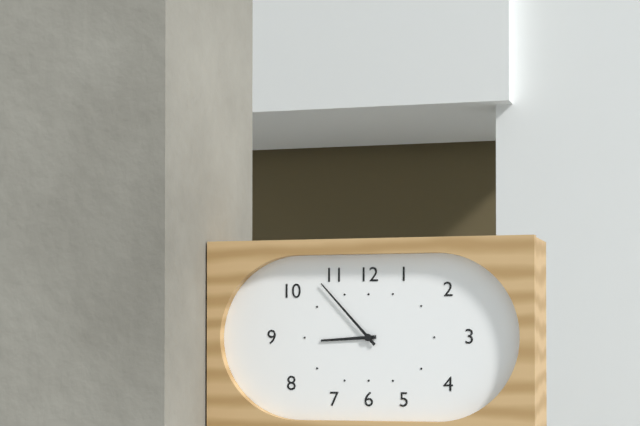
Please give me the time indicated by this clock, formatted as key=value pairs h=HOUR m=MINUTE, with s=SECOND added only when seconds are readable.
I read h=8 m=53
